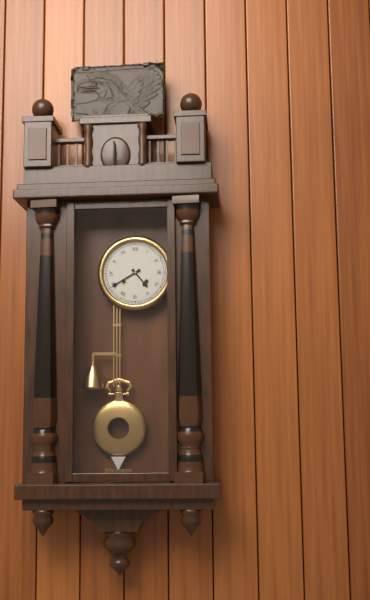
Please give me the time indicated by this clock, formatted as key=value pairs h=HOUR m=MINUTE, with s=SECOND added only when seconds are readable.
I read h=4 m=40
